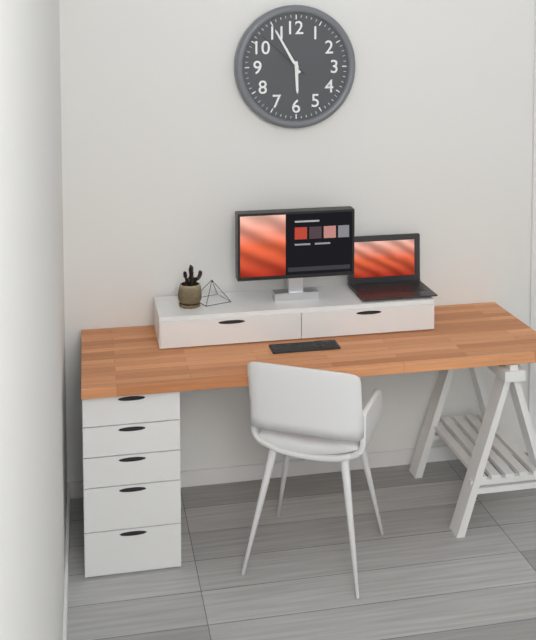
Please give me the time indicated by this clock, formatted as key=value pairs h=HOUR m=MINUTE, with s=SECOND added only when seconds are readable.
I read h=5 m=55 s=52
